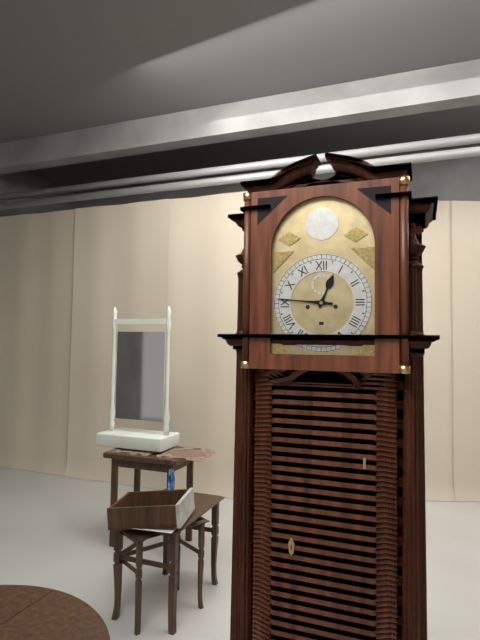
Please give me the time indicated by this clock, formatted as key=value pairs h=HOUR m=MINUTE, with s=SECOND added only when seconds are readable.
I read h=12 m=46
